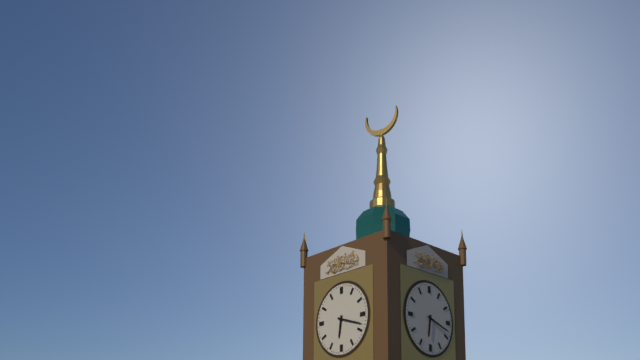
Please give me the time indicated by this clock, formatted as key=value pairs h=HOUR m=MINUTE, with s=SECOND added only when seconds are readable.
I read h=6 m=18
